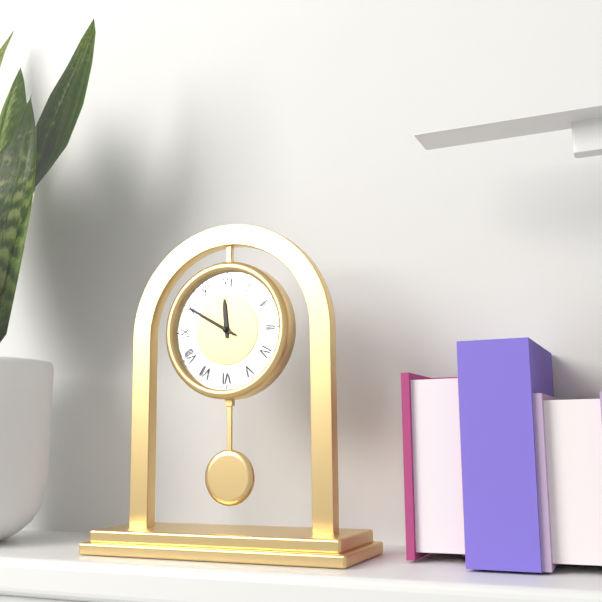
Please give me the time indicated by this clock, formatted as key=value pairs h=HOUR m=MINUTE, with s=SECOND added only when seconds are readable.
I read h=11 m=50
